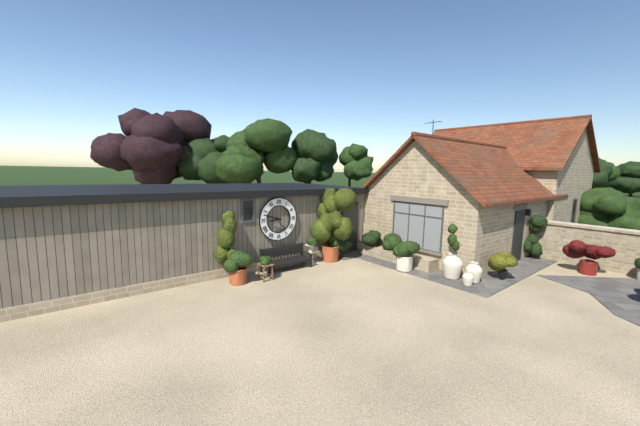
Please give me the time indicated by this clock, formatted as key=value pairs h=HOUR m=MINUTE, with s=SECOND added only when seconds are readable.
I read h=8 m=48
